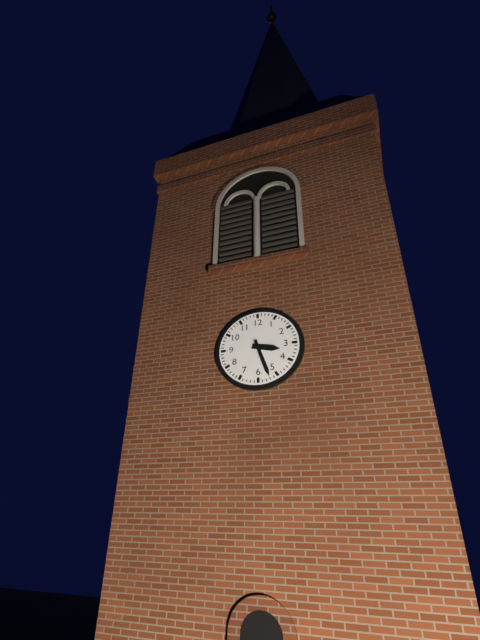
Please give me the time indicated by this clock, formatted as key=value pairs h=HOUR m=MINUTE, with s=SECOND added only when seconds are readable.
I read h=3 m=27
